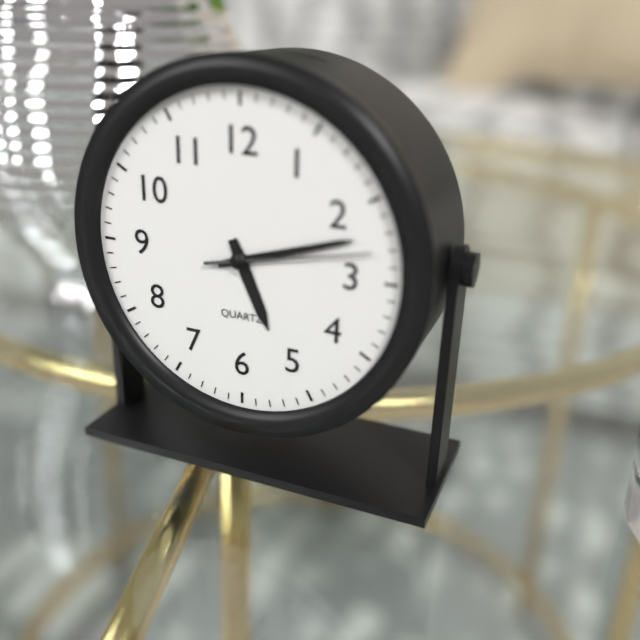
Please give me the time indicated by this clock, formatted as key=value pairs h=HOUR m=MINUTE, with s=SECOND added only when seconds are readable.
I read h=5 m=12 s=13
